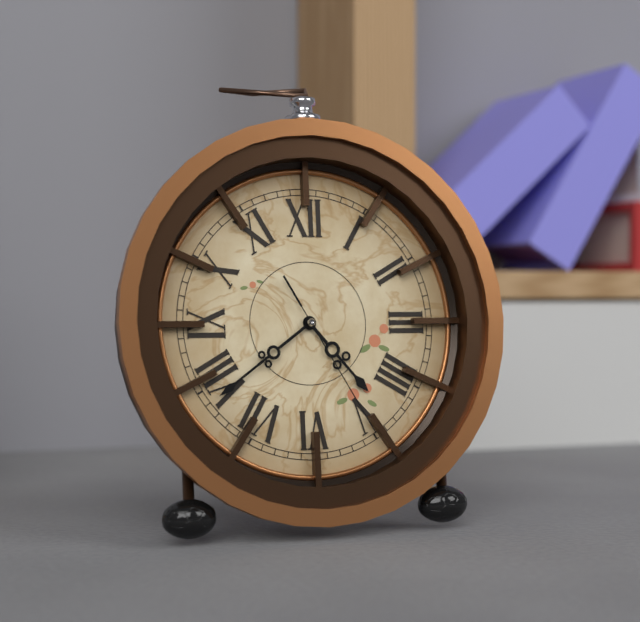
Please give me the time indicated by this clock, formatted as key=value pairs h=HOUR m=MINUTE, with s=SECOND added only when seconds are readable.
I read h=4 m=39 s=25
